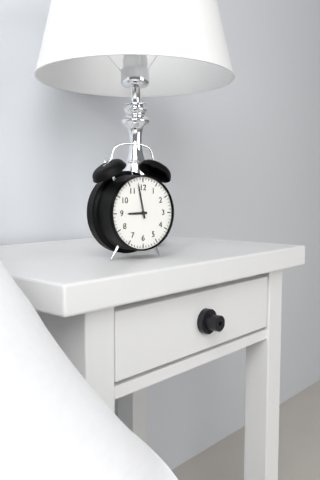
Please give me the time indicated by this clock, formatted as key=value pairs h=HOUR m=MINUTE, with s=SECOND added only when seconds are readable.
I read h=8 m=58
